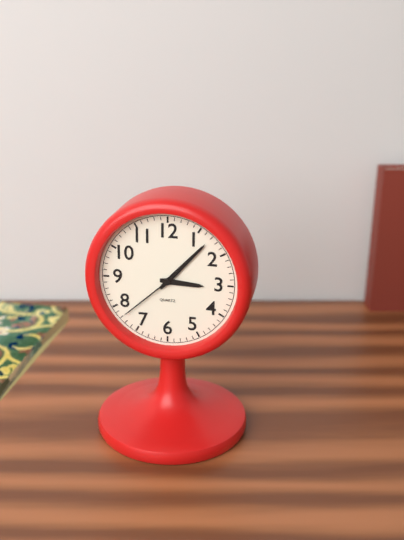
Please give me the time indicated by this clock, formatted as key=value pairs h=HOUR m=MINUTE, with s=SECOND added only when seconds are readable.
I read h=3 m=7 s=38
